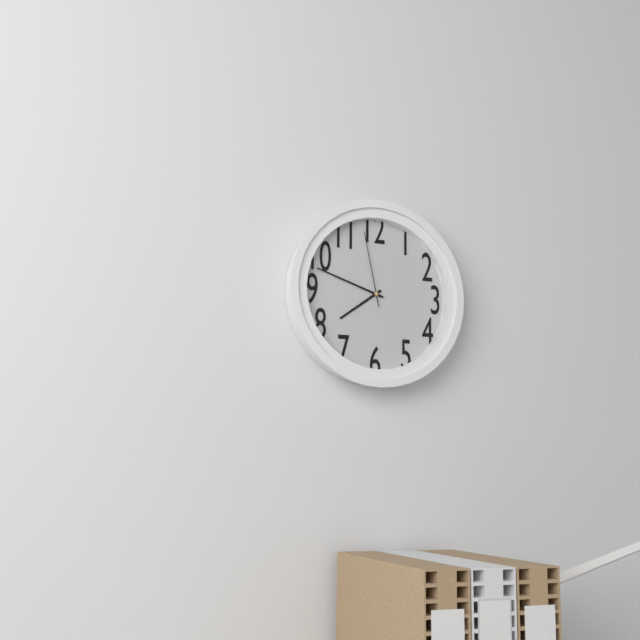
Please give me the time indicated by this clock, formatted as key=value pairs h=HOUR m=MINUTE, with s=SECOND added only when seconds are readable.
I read h=7 m=48 s=58
